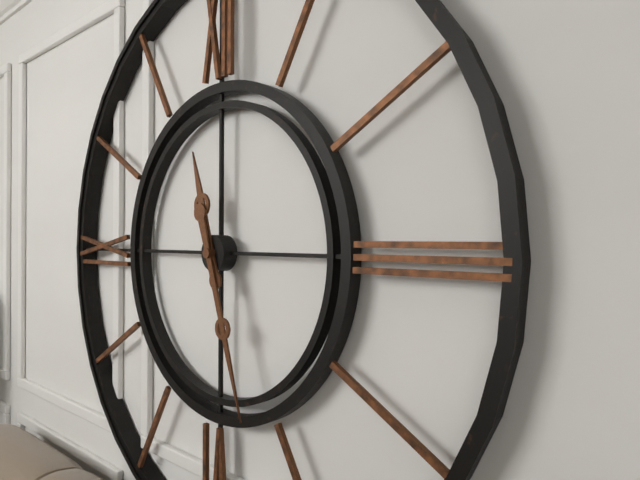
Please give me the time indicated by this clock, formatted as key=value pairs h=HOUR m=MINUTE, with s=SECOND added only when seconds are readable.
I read h=11 m=27
